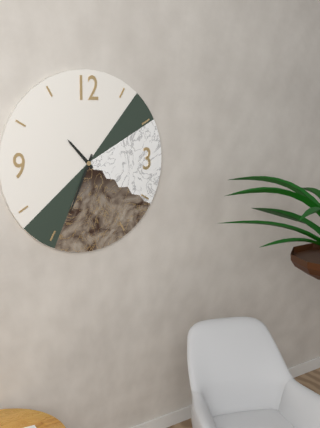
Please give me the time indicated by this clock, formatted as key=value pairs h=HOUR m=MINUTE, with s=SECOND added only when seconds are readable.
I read h=10 m=34
